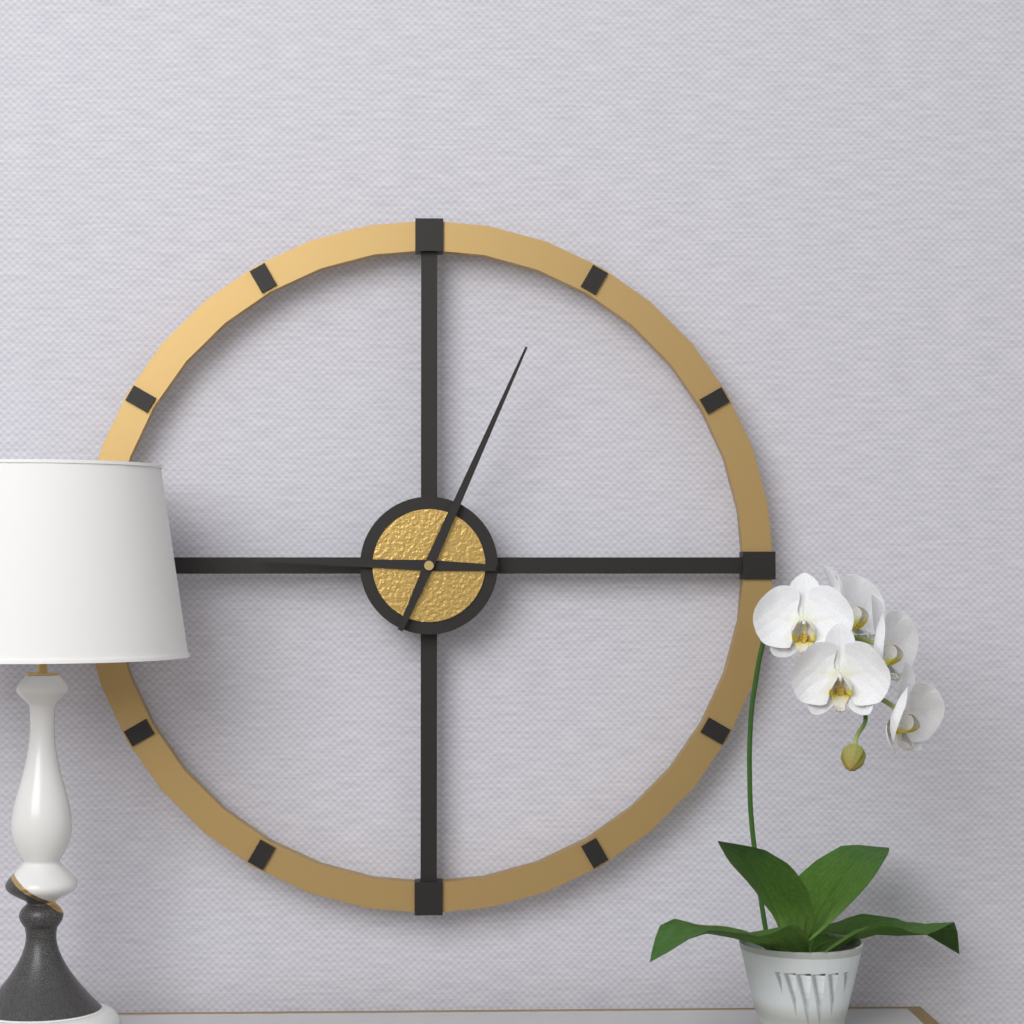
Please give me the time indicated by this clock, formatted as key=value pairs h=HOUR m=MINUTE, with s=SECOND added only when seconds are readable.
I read h=9 m=4
